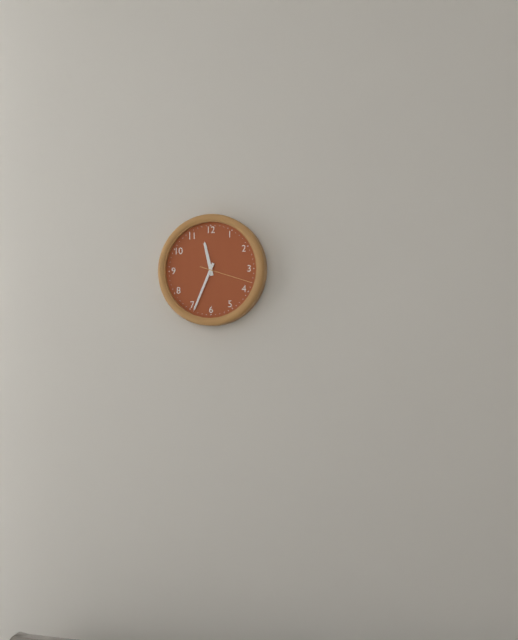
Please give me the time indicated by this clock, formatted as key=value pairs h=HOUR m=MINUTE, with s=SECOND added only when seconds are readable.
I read h=11 m=34 s=18
